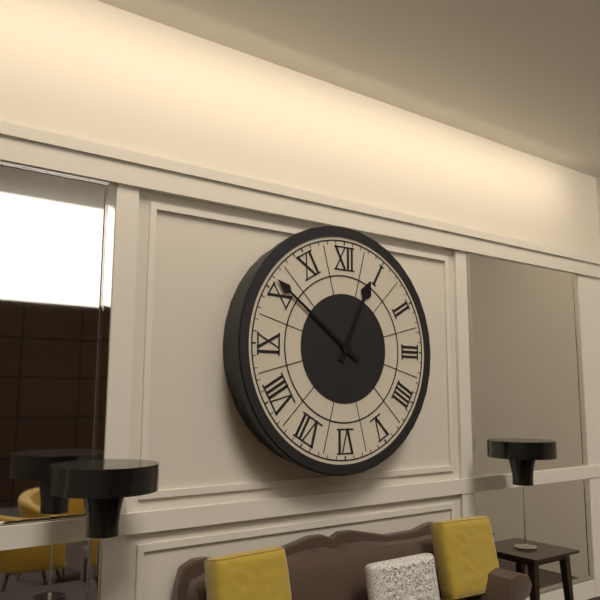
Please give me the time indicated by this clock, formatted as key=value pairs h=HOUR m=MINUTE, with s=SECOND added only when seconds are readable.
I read h=12 m=51
